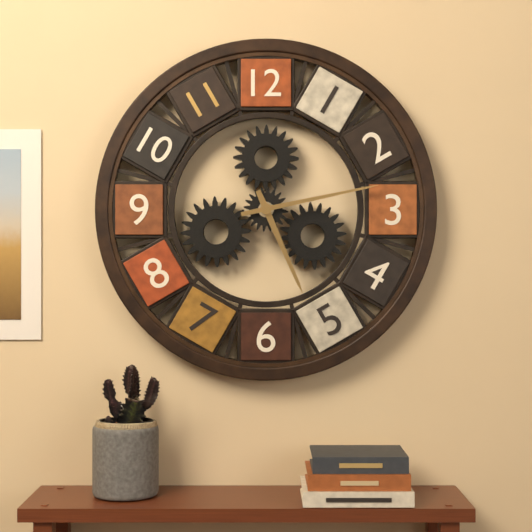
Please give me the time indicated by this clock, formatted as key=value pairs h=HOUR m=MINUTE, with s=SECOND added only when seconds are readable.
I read h=5 m=13
